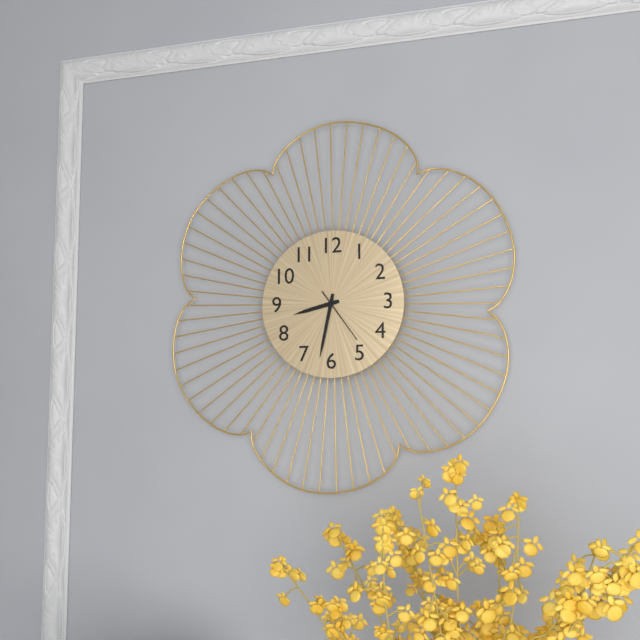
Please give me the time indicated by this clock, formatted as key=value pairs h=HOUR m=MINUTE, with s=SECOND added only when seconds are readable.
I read h=8 m=32 s=24
